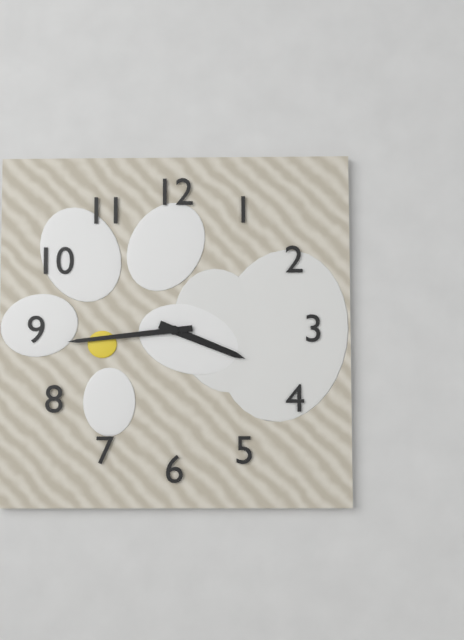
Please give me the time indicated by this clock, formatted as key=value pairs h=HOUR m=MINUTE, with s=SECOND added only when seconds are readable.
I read h=3 m=44
